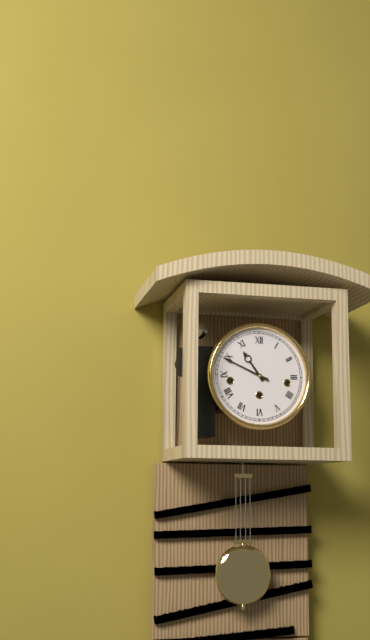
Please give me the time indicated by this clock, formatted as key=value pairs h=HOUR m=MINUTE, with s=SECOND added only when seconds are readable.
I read h=10 m=49
